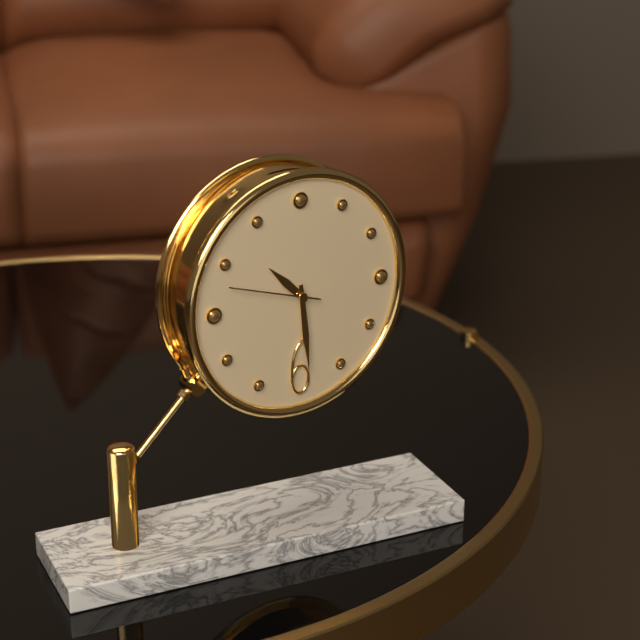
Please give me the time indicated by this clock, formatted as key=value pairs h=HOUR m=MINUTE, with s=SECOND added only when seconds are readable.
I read h=10 m=29 s=48
